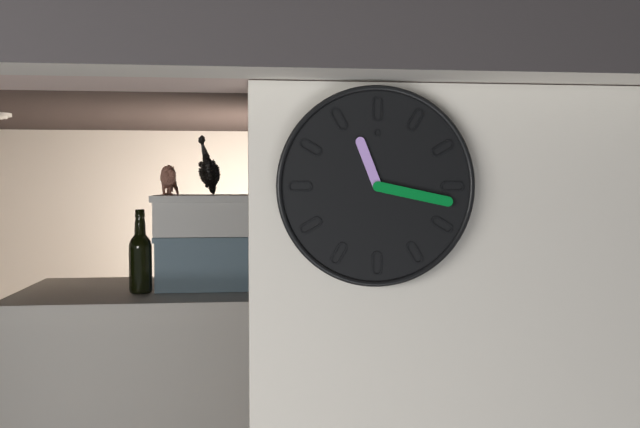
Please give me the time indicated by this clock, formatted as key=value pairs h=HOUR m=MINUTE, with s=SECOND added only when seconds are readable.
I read h=11 m=17
